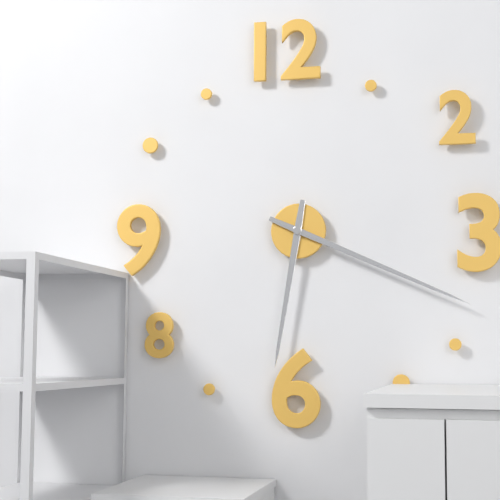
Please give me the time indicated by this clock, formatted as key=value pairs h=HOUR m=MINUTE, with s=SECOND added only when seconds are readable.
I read h=6 m=19
